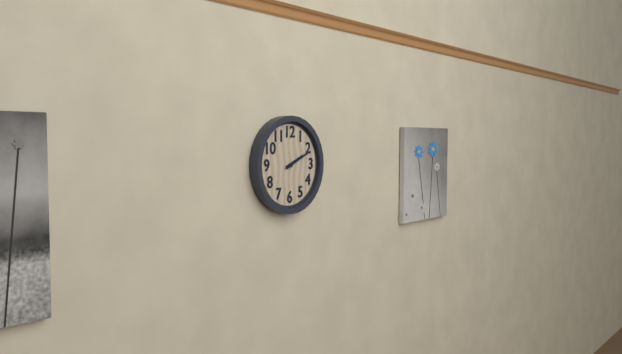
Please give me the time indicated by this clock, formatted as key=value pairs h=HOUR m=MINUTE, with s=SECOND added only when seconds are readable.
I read h=2 m=11
